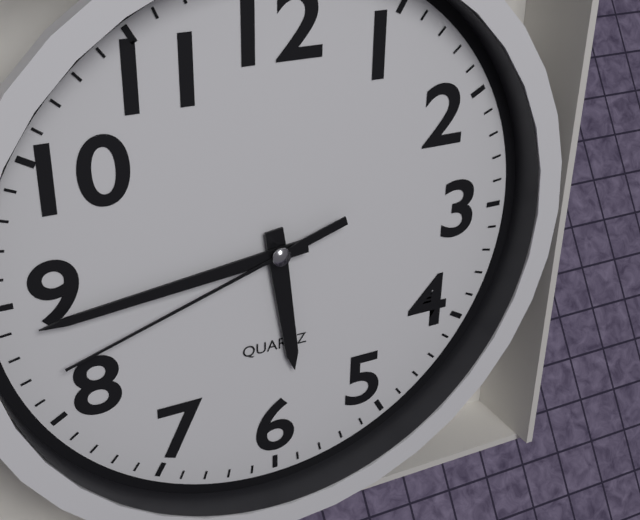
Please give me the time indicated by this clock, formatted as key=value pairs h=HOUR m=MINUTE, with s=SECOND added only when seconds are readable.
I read h=5 m=44 s=42
